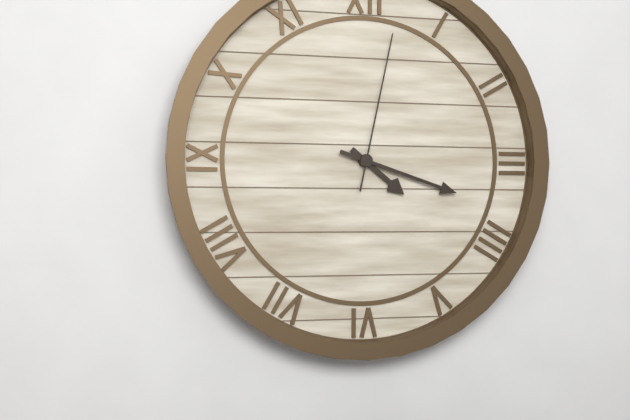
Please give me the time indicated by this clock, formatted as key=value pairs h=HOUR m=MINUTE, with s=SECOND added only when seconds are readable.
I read h=4 m=18 s=2
